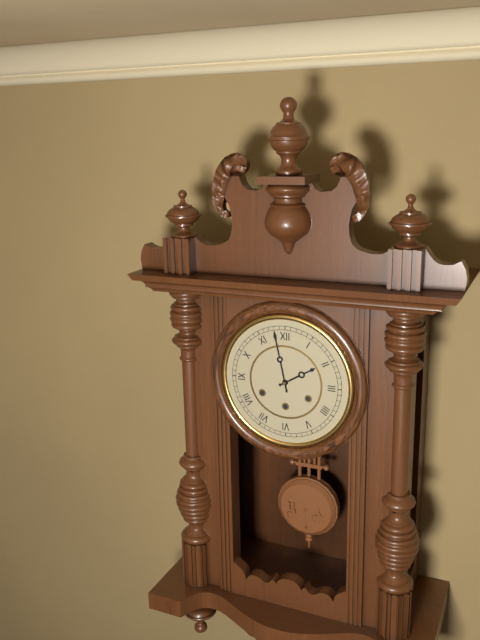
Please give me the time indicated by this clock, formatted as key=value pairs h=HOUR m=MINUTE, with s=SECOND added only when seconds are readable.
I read h=1 m=58
